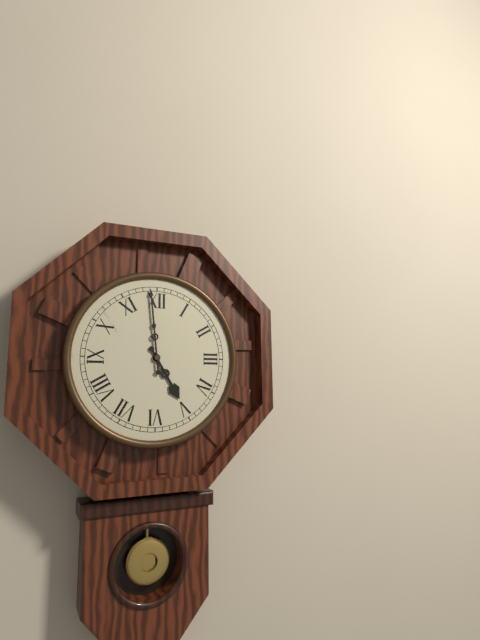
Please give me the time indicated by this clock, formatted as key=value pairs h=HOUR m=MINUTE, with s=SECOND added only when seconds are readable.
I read h=4 m=59
